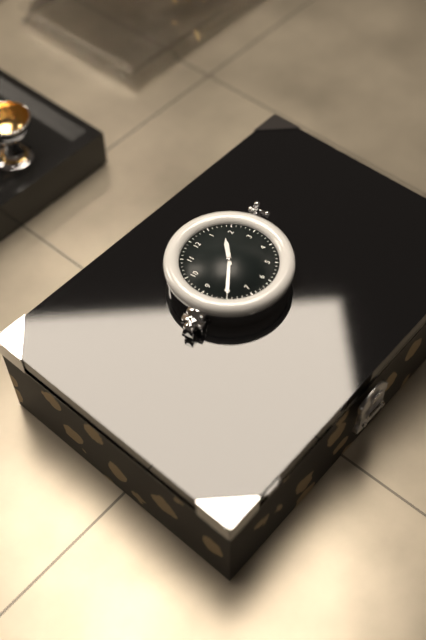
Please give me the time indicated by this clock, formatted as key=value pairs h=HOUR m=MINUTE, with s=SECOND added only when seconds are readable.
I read h=1 m=40
